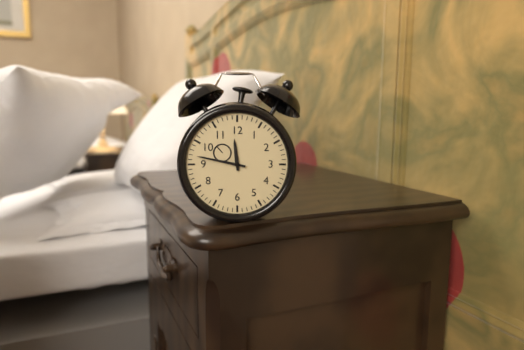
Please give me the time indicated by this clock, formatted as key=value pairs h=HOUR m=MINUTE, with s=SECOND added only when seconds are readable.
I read h=11 m=47
